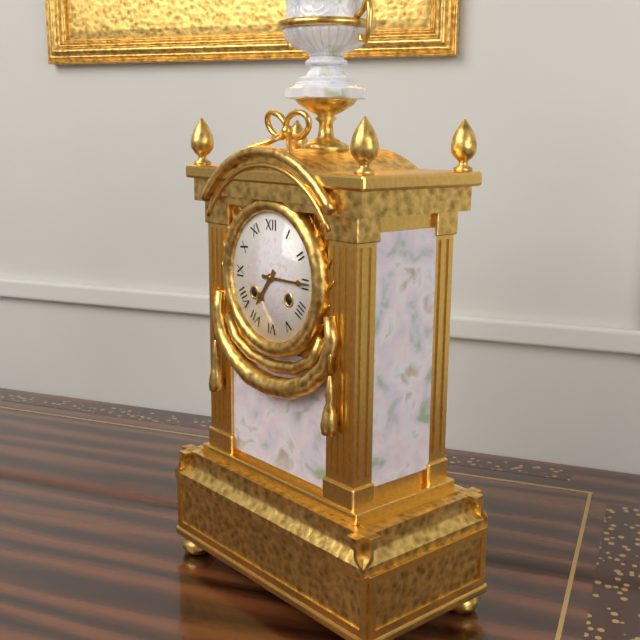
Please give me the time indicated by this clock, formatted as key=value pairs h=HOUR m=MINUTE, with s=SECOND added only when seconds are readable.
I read h=7 m=15
